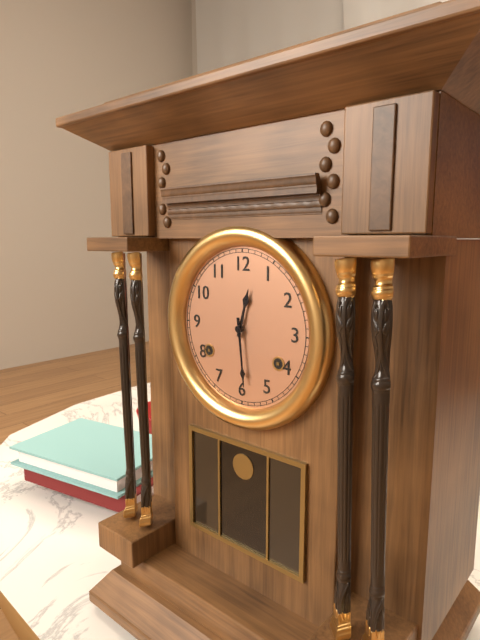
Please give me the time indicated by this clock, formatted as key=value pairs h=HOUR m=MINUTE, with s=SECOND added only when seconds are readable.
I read h=12 m=29
